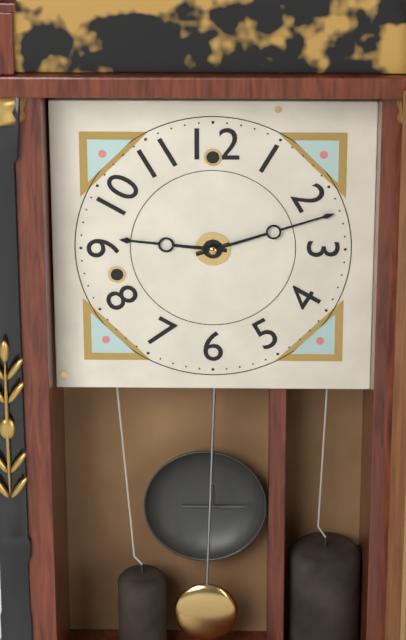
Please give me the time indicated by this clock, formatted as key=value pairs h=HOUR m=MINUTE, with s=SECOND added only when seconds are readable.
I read h=9 m=12
